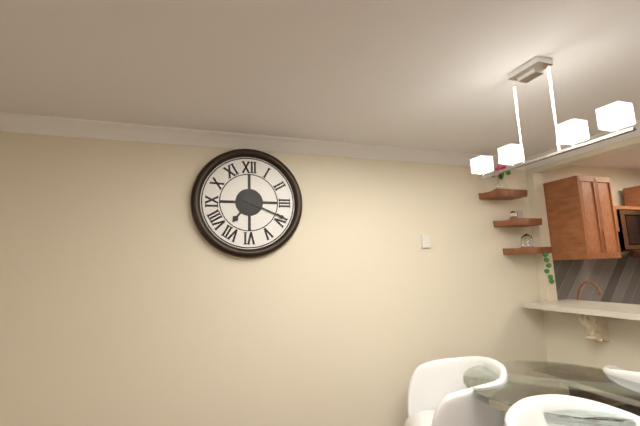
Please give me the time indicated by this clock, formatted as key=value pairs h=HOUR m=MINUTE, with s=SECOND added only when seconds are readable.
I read h=7 m=19
